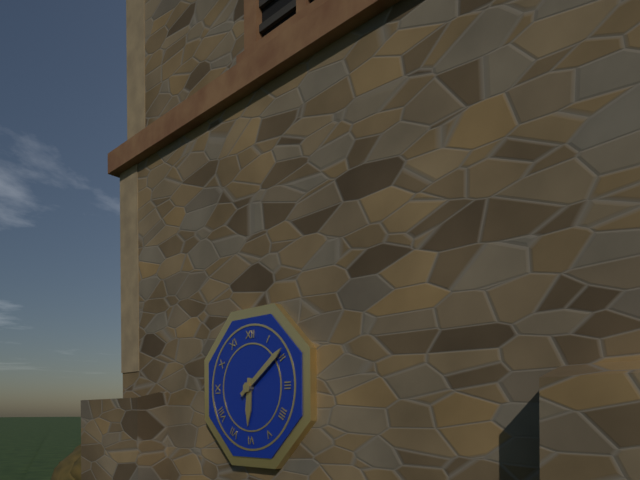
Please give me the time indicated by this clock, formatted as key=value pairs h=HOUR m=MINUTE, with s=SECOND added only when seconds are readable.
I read h=6 m=9
